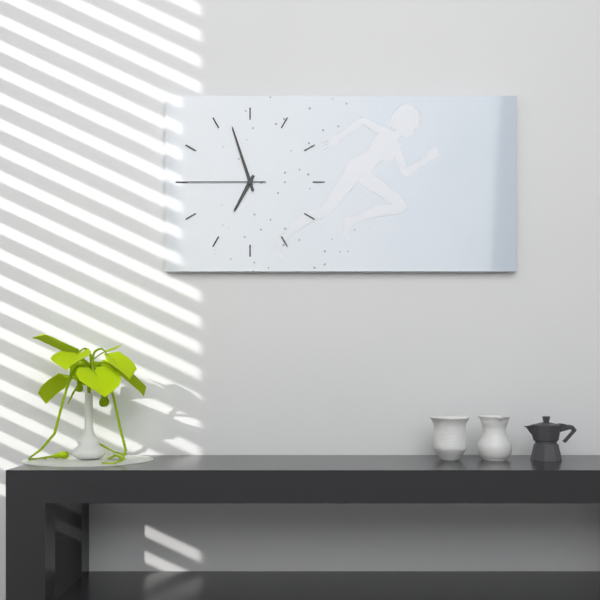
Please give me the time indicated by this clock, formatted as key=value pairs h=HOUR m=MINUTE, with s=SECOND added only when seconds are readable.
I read h=6 m=57 s=45
